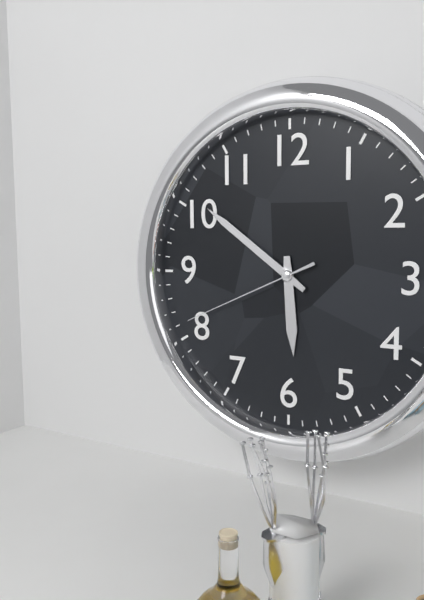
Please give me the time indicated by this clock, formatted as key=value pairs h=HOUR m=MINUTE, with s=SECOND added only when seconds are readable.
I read h=5 m=51 s=41
